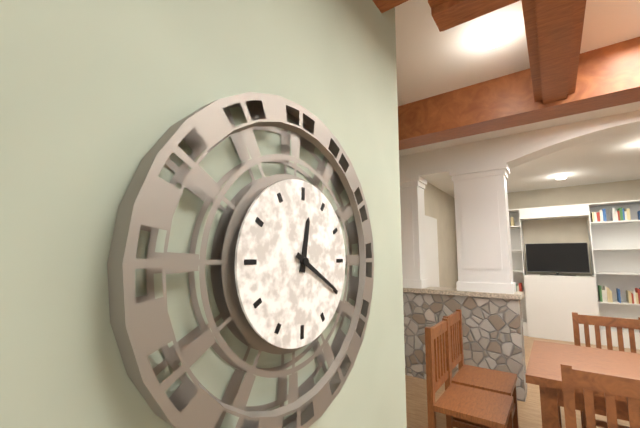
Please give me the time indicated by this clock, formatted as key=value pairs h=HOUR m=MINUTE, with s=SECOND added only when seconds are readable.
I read h=12 m=20
